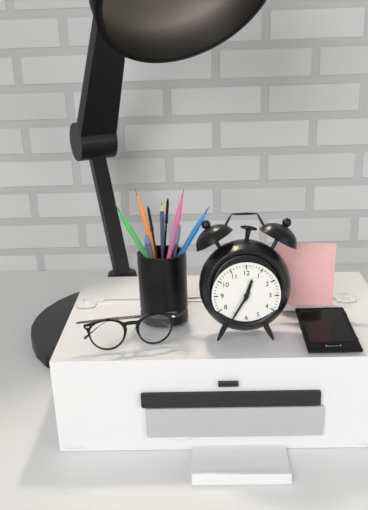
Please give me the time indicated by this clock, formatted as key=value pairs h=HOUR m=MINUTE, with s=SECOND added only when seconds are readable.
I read h=12 m=35
